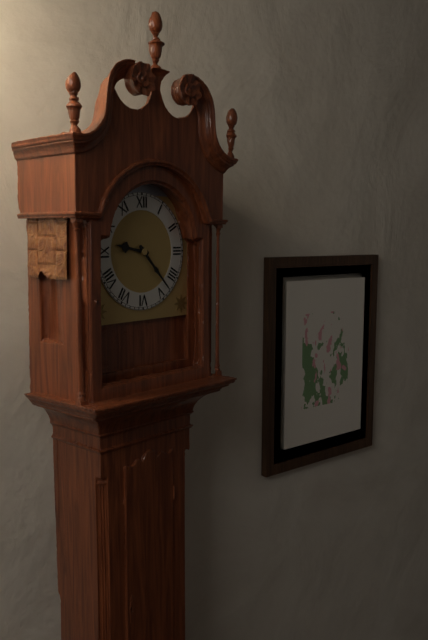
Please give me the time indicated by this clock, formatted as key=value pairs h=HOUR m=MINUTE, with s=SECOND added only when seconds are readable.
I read h=9 m=23
